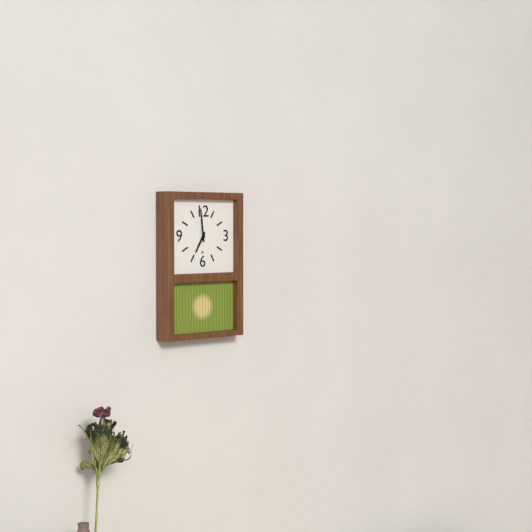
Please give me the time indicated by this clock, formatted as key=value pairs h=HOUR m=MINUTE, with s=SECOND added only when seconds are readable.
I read h=6 m=59
